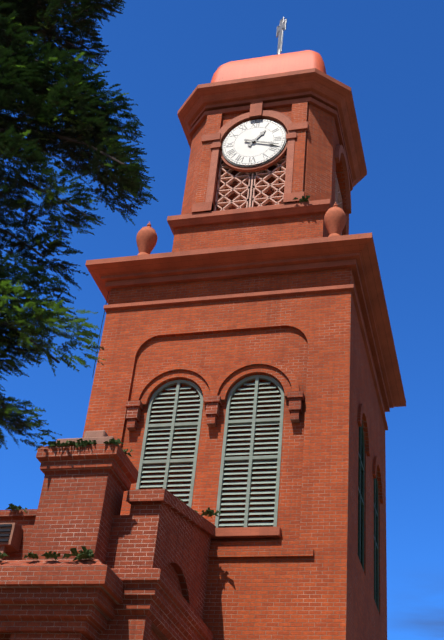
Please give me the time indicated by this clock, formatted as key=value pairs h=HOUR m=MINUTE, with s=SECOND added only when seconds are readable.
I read h=1 m=18
